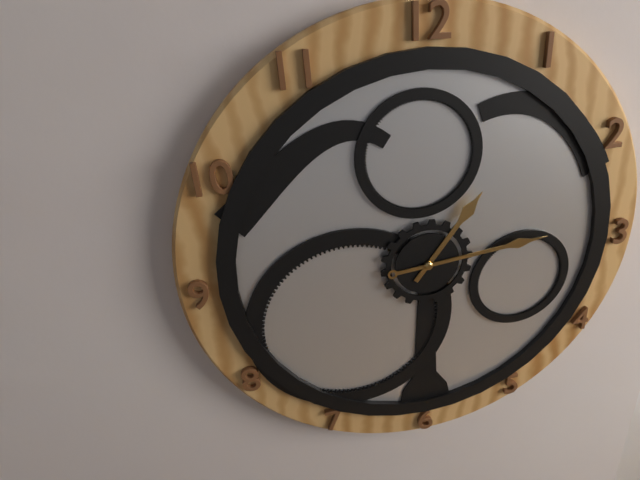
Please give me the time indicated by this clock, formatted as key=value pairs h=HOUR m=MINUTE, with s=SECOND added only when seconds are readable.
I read h=1 m=14
